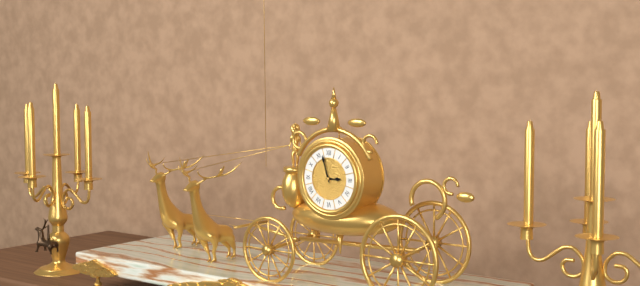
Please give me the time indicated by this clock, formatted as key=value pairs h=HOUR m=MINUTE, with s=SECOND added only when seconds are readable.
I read h=2 m=57
